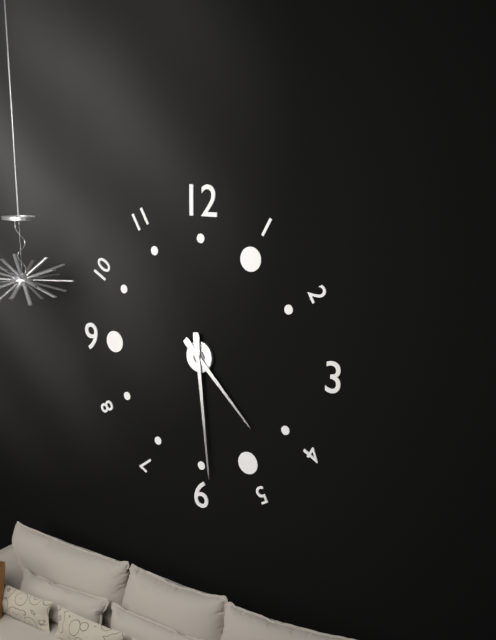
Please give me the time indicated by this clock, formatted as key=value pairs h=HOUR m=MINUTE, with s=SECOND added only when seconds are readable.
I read h=4 m=29
